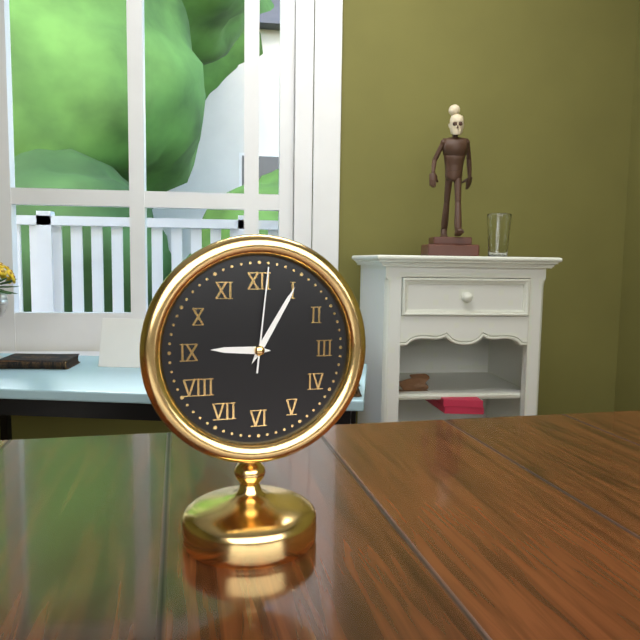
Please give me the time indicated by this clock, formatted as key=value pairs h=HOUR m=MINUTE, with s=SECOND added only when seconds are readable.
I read h=9 m=5 s=1
